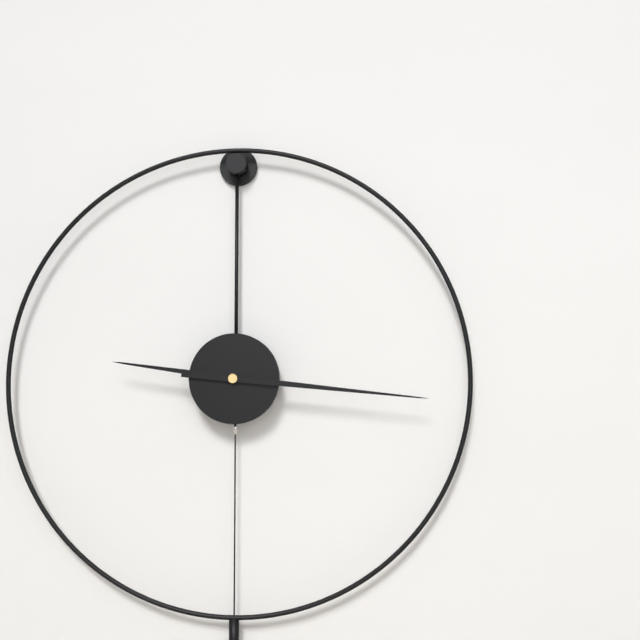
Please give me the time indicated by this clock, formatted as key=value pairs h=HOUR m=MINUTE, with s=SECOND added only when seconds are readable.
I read h=9 m=16
